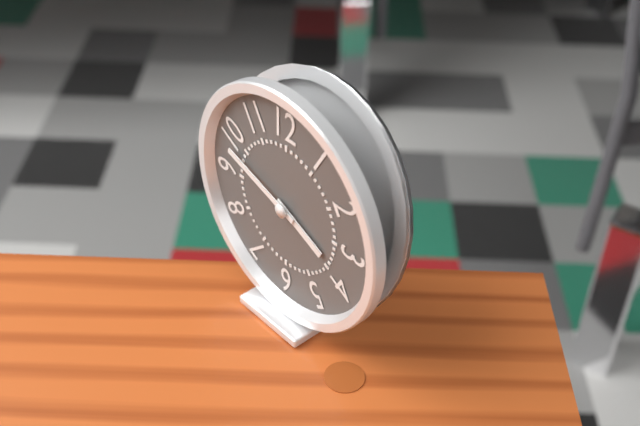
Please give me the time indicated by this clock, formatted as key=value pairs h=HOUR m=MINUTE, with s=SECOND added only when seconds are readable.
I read h=3 m=48
